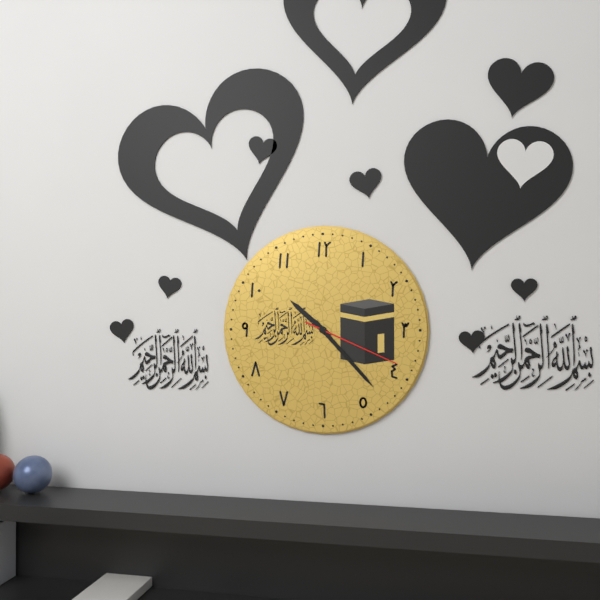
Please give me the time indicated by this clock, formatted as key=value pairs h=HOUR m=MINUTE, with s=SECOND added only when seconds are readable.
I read h=10 m=23 s=19
